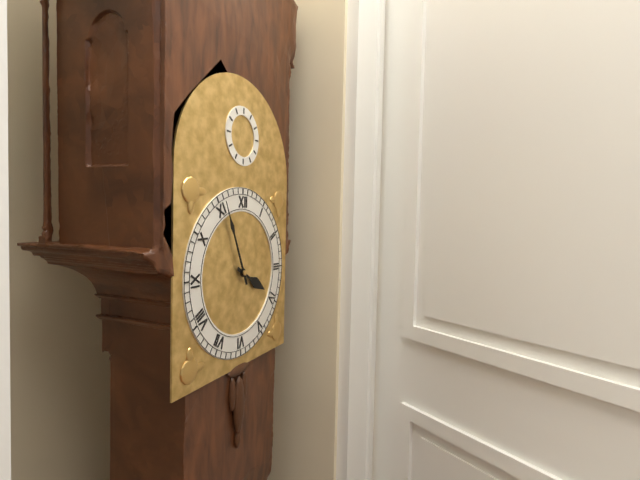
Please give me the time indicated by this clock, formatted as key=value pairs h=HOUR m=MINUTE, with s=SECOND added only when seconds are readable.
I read h=3 m=56
